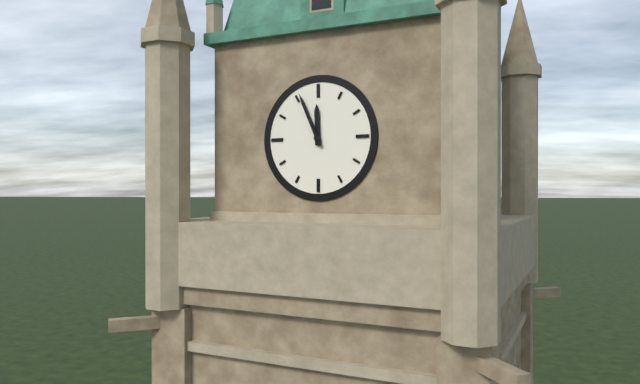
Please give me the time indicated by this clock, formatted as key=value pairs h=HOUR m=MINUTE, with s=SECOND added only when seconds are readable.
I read h=11 m=56
